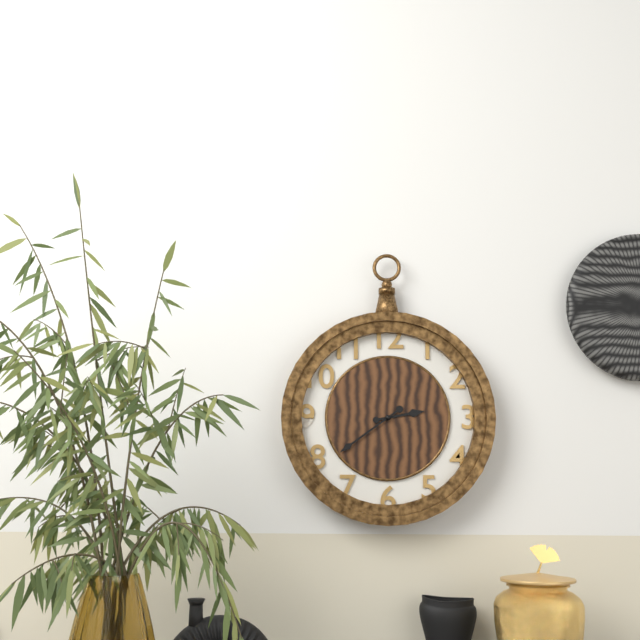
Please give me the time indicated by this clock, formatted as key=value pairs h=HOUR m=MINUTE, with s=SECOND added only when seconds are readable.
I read h=2 m=39
